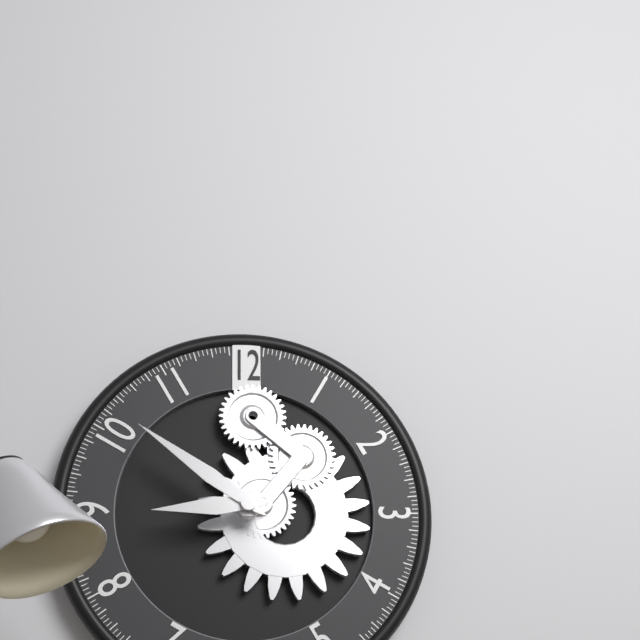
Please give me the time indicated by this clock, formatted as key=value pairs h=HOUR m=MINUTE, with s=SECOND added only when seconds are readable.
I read h=8 m=51
